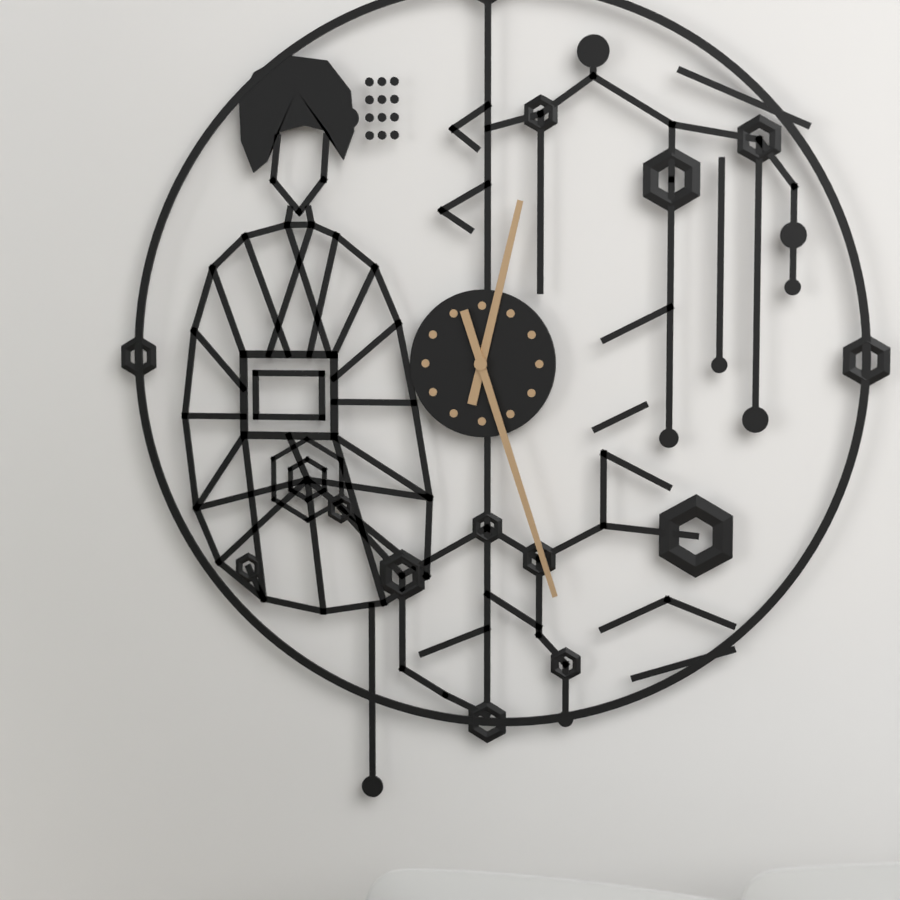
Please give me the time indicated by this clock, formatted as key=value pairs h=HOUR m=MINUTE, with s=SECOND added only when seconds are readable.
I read h=12 m=27
